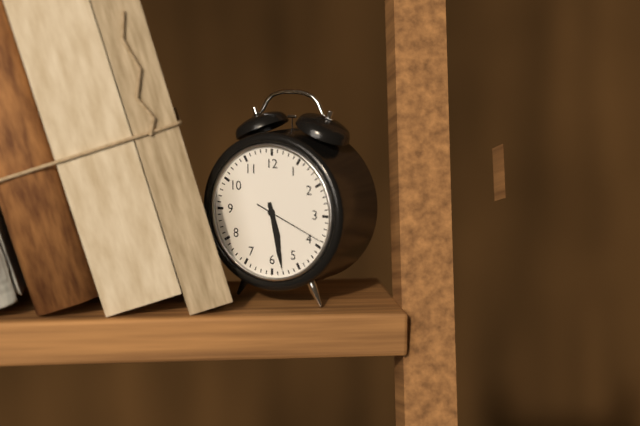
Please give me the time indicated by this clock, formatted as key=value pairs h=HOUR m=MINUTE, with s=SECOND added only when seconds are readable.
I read h=5 m=28 s=19
